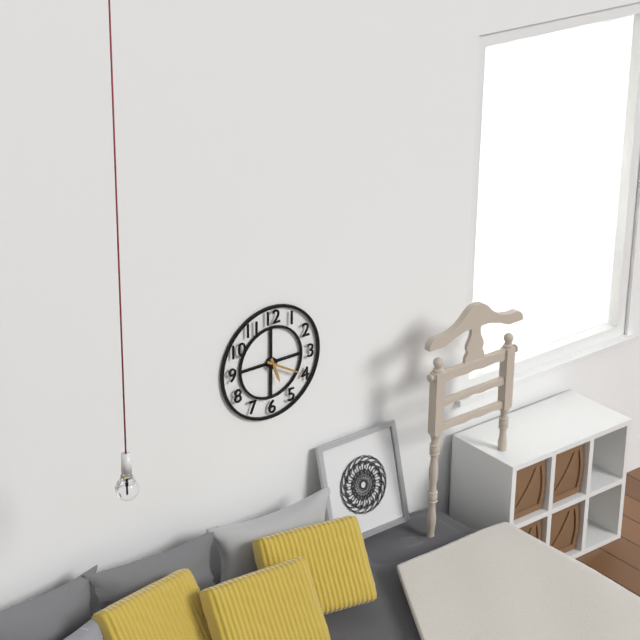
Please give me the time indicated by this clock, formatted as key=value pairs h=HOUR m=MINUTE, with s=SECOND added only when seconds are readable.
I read h=5 m=20
